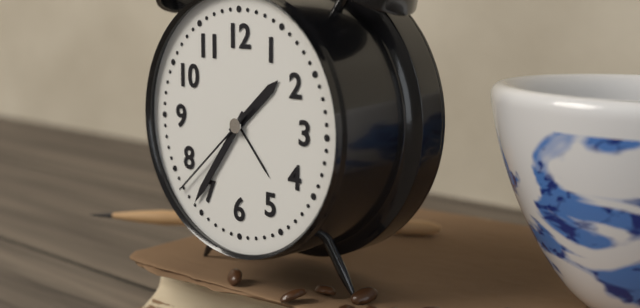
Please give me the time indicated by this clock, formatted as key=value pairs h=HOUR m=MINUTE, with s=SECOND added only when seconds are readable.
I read h=1 m=36 s=38
